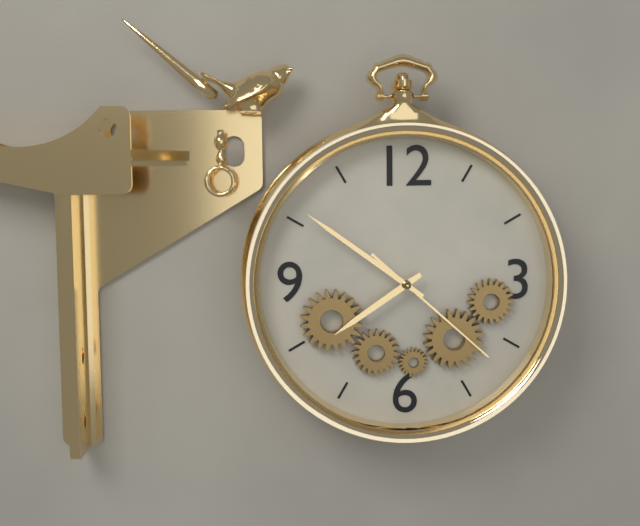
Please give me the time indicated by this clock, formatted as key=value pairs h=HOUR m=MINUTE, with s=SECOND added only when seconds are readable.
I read h=7 m=51 s=22
